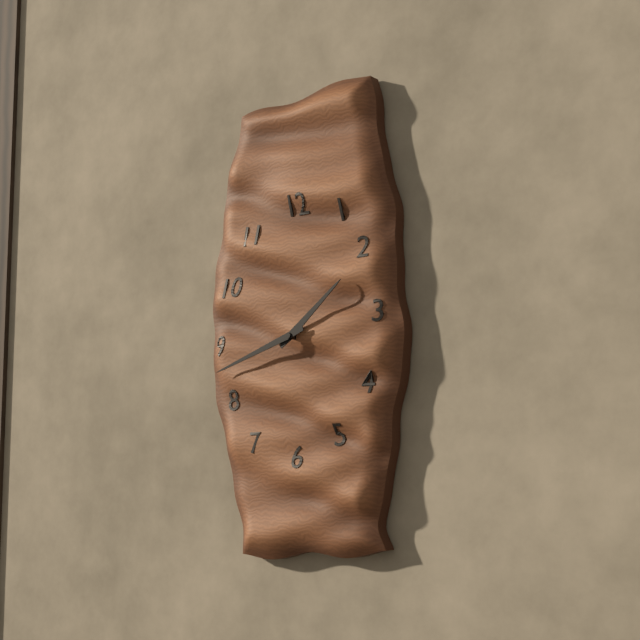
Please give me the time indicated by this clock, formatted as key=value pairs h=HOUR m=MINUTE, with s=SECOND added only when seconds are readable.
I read h=1 m=42
